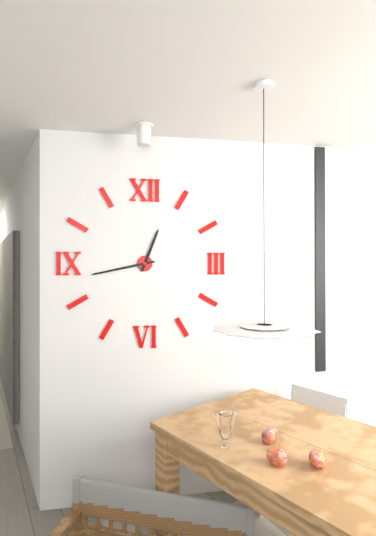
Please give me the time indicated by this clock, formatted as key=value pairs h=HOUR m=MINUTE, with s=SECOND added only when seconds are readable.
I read h=12 m=43
